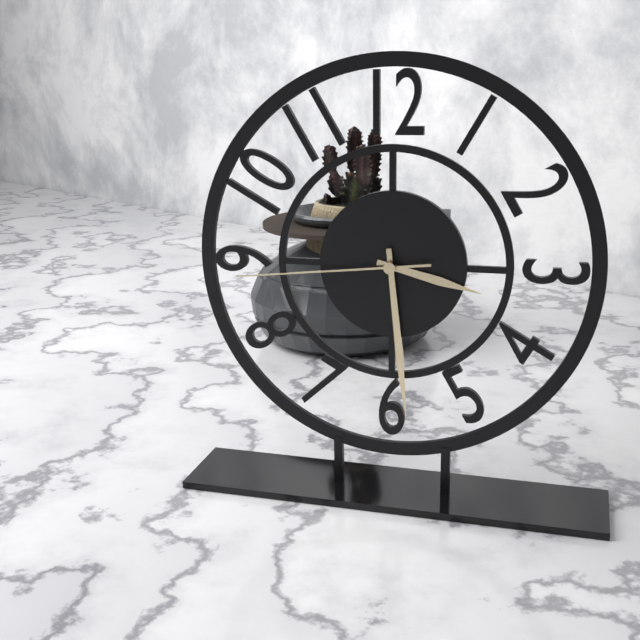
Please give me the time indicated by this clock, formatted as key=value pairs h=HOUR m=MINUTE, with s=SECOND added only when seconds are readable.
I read h=3 m=29 s=44
